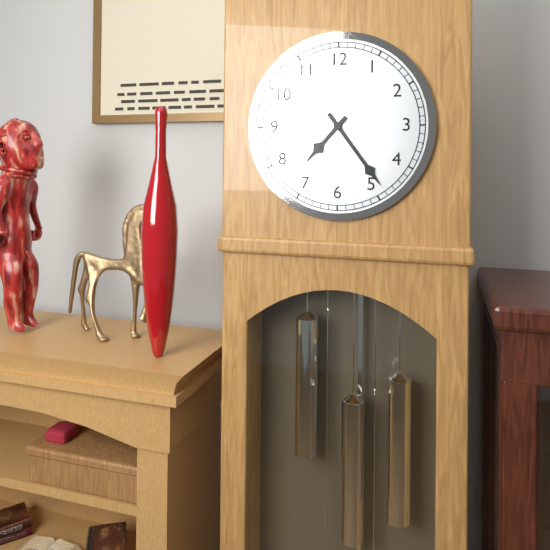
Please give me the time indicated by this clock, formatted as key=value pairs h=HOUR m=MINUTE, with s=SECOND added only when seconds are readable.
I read h=7 m=24
